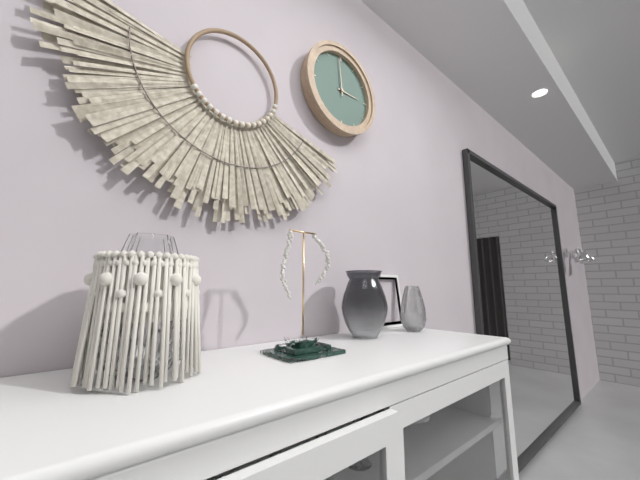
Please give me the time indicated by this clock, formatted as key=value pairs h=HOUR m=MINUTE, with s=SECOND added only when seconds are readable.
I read h=2 m=59
